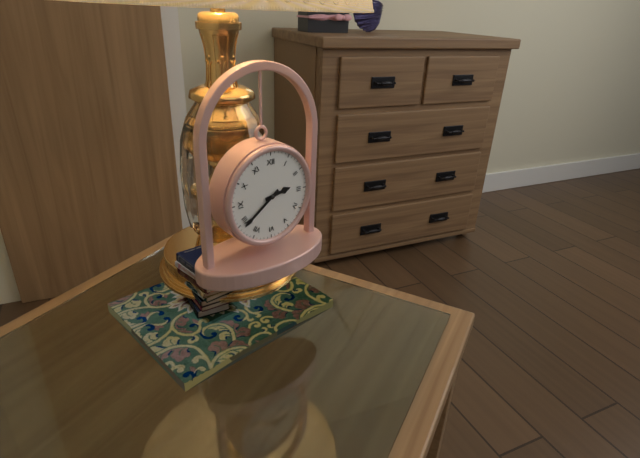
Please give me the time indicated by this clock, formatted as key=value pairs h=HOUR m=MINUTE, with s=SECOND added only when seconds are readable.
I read h=2 m=39
